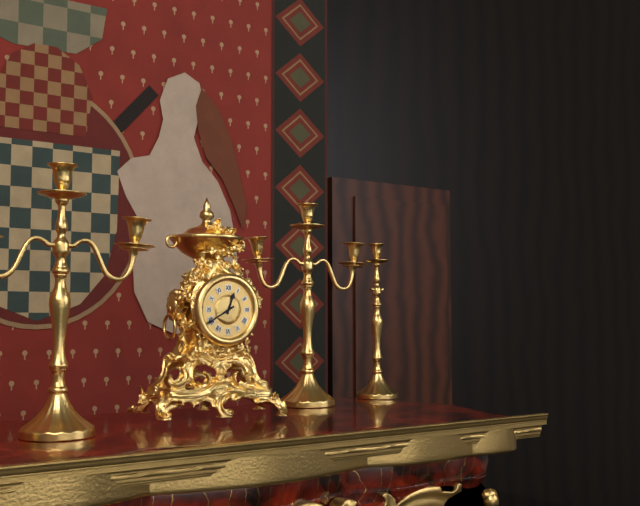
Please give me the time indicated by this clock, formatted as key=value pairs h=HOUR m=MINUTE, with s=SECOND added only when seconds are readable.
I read h=12 m=40
